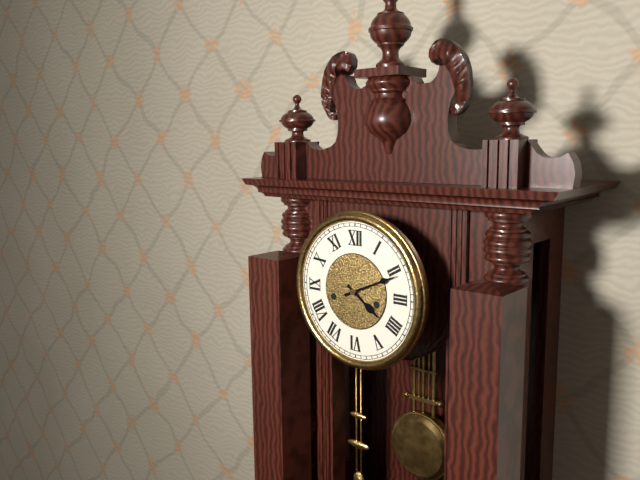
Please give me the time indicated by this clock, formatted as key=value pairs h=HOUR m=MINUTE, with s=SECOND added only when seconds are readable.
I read h=4 m=11
